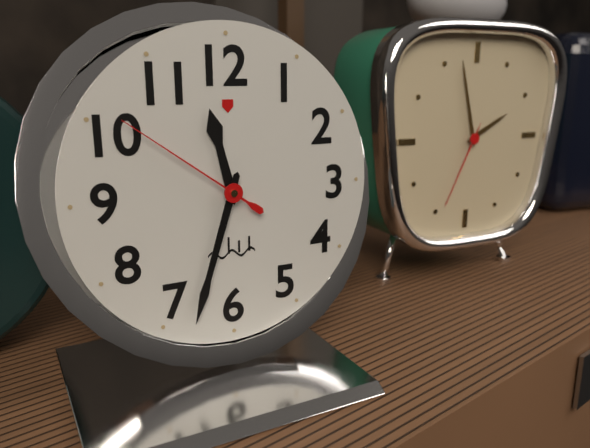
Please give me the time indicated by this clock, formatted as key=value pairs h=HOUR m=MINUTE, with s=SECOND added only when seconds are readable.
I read h=11 m=33 s=51
